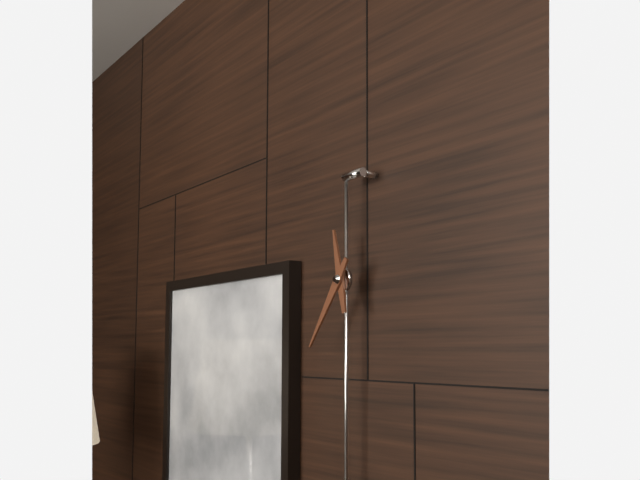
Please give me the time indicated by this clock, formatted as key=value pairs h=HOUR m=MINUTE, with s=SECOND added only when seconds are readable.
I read h=11 m=36
